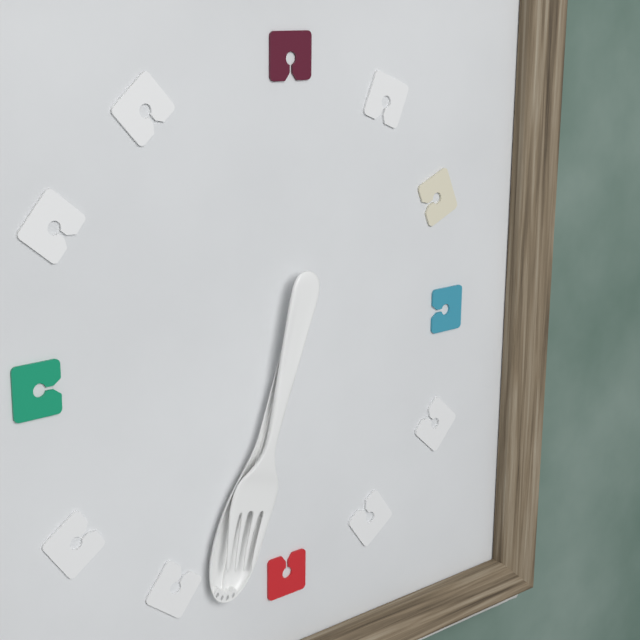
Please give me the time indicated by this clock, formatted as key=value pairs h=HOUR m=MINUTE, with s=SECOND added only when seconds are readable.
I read h=6 m=33
